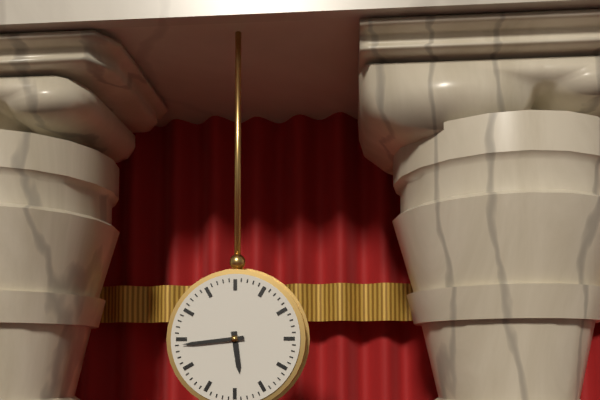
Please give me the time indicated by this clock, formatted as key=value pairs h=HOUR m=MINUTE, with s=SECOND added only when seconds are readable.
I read h=5 m=44
